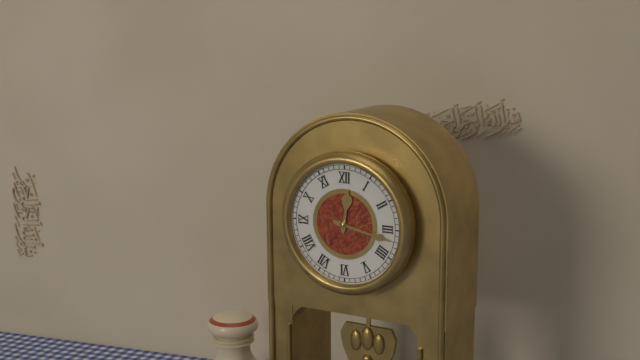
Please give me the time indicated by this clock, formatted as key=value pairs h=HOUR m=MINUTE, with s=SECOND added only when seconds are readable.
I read h=12 m=17
